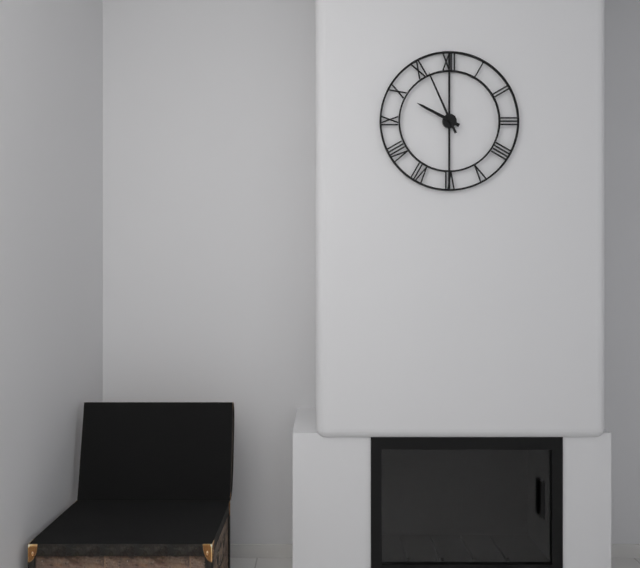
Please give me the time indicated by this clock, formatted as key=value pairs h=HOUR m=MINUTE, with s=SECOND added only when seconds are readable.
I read h=9 m=56
